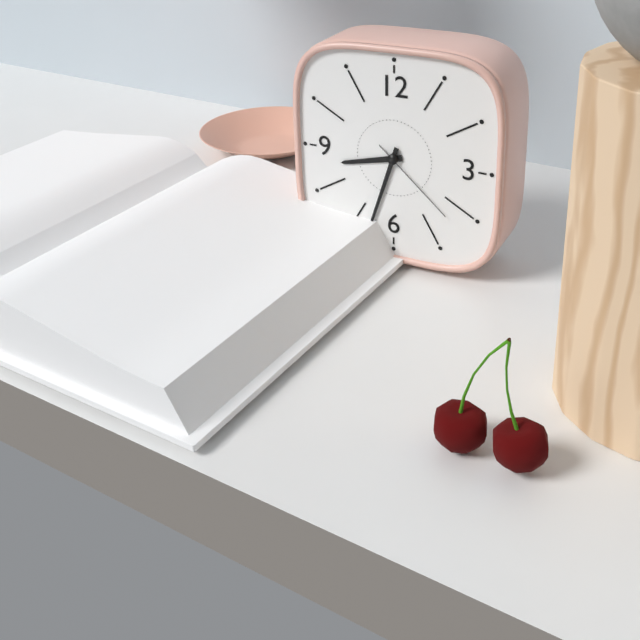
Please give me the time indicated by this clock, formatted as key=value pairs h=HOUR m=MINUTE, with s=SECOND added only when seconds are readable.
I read h=8 m=33 s=22
